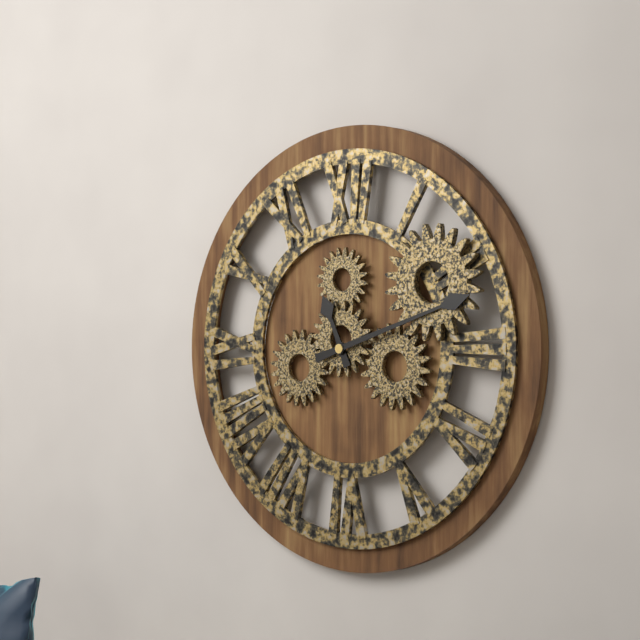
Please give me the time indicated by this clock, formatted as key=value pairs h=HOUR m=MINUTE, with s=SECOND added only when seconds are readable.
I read h=11 m=12
